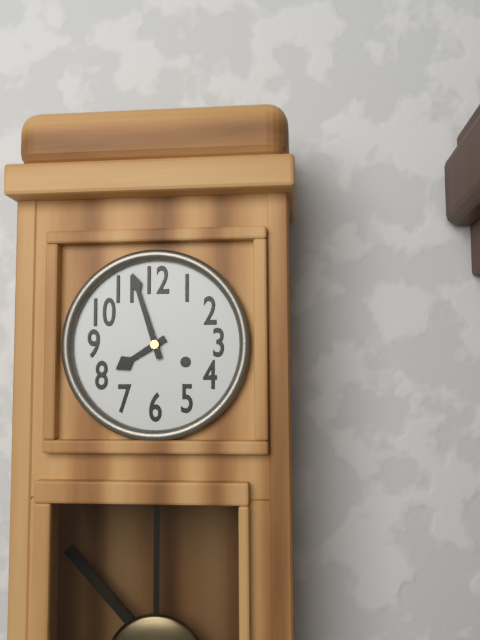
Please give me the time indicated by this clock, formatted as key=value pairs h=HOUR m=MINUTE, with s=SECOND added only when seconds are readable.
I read h=7 m=57
